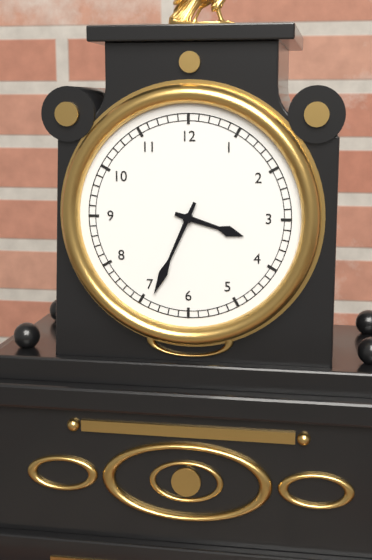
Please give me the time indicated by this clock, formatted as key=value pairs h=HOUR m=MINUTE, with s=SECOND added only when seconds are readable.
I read h=3 m=34
